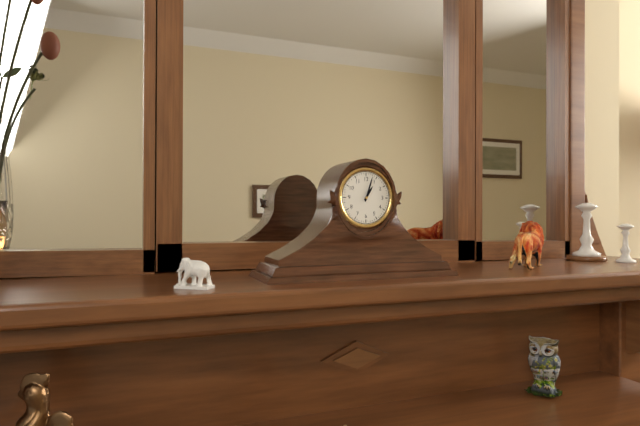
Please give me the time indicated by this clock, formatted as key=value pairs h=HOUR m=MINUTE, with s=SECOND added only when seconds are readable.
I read h=1 m=3
